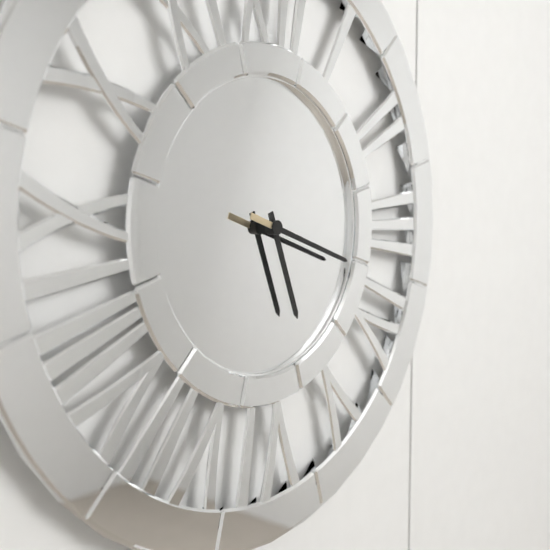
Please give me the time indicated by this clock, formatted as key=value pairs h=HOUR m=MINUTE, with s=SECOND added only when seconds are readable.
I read h=5 m=18
